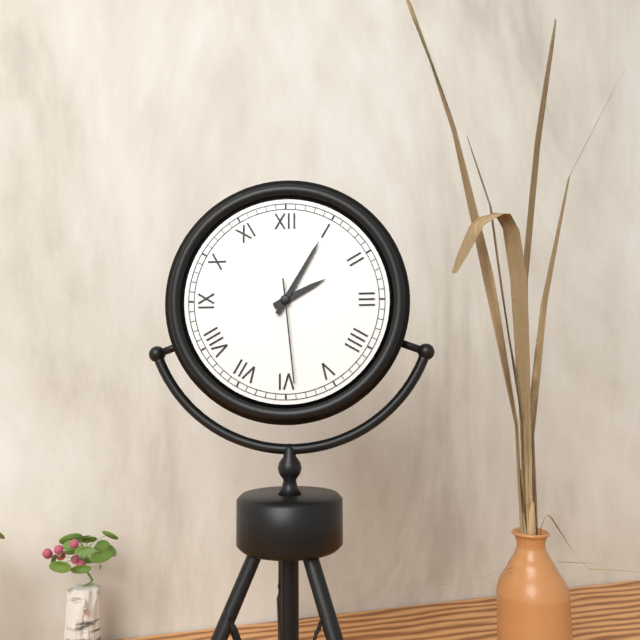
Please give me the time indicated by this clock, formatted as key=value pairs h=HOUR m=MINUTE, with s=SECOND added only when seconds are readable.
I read h=2 m=5 s=29
